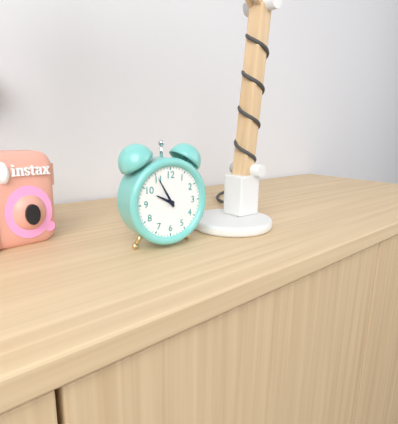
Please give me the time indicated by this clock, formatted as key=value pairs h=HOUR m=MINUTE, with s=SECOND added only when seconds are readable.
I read h=9 m=55
